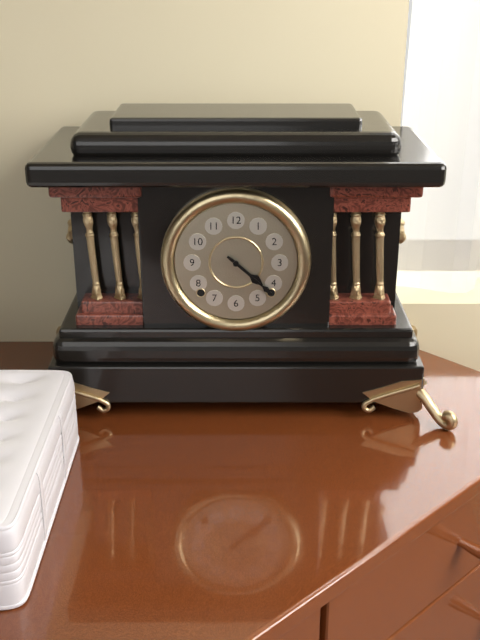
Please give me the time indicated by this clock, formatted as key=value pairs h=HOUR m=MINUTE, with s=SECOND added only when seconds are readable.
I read h=4 m=22
